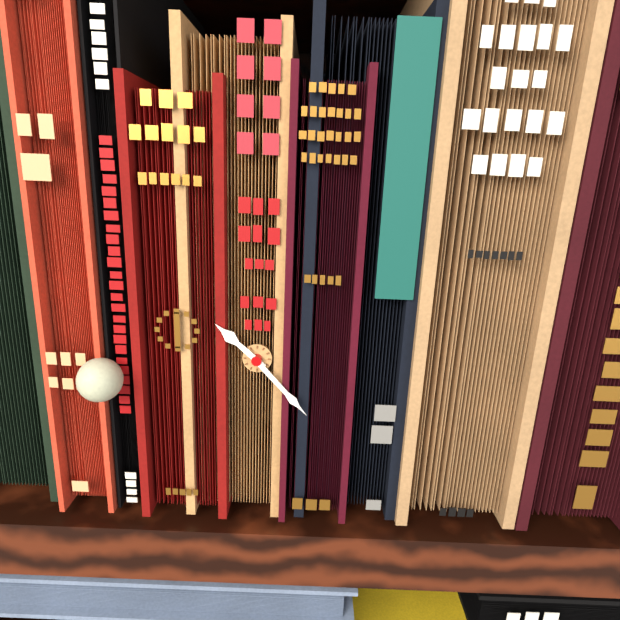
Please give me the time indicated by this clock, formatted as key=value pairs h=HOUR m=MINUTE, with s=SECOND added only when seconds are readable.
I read h=10 m=23
